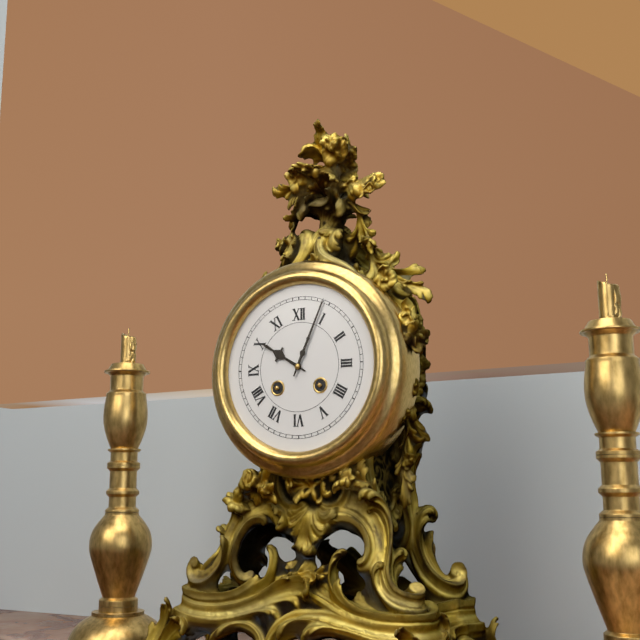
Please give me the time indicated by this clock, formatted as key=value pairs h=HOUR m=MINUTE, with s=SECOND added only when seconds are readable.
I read h=10 m=4
